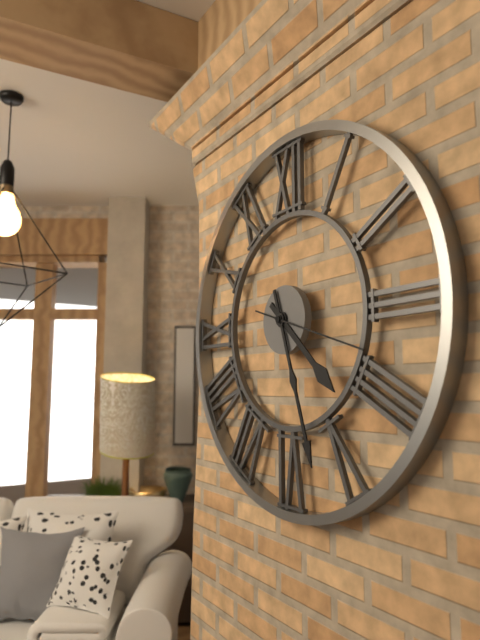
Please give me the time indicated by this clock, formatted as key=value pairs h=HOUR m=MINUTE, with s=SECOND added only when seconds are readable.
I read h=4 m=27 s=18
